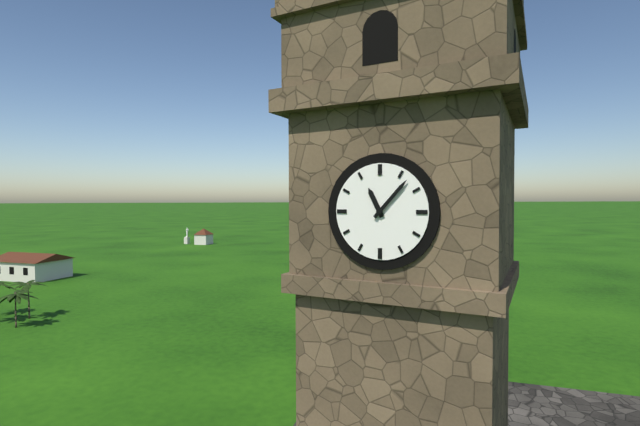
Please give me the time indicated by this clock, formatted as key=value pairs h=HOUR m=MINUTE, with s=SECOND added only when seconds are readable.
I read h=11 m=7
